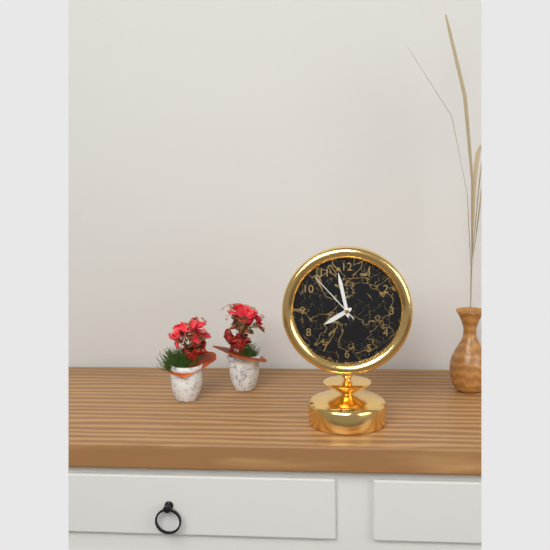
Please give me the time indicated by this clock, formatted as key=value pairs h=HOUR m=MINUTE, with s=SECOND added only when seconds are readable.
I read h=7 m=58 s=53
